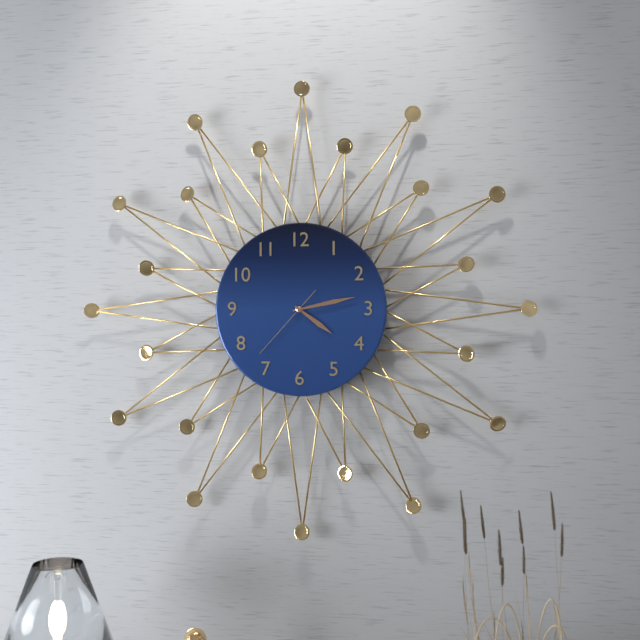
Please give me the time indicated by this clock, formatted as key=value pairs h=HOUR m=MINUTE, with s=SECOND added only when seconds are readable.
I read h=4 m=13 s=37
